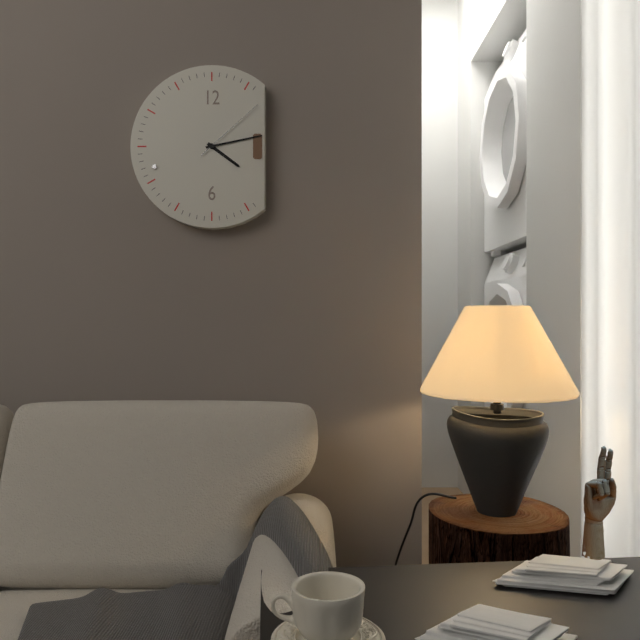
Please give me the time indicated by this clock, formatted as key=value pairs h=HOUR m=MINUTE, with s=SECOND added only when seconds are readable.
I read h=4 m=13 s=8
